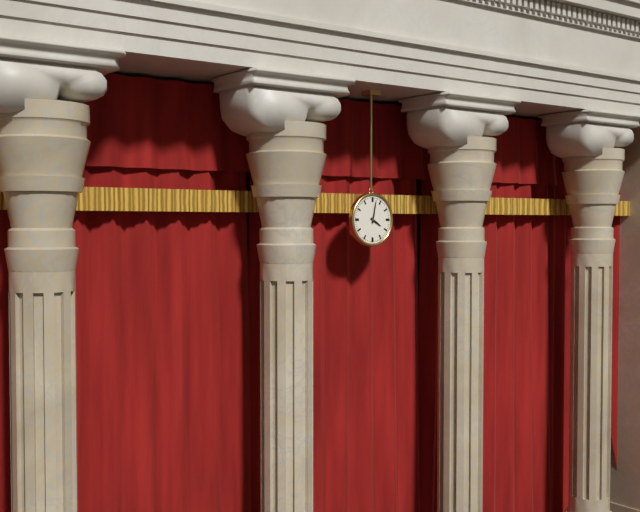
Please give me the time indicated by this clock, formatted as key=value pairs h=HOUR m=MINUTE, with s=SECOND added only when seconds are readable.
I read h=4 m=2
